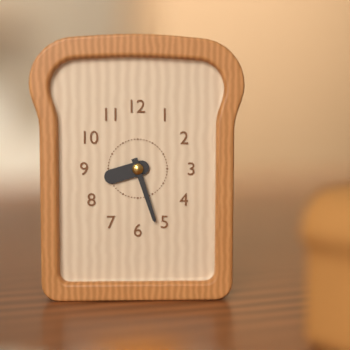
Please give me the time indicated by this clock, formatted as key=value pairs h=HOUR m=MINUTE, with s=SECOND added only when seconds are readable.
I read h=8 m=27
